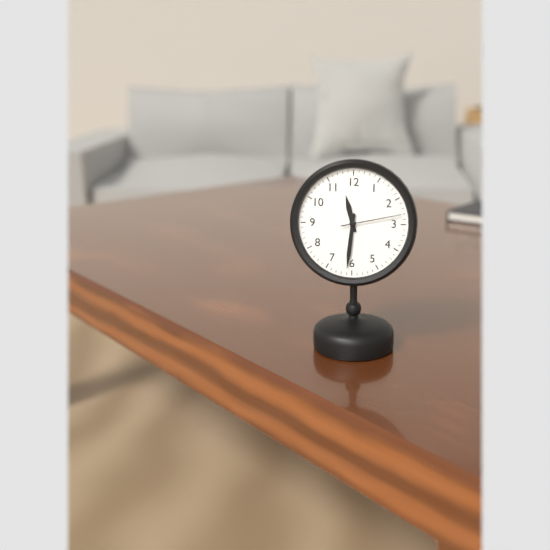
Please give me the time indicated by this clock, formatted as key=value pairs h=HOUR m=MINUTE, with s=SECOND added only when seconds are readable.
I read h=11 m=31 s=13
